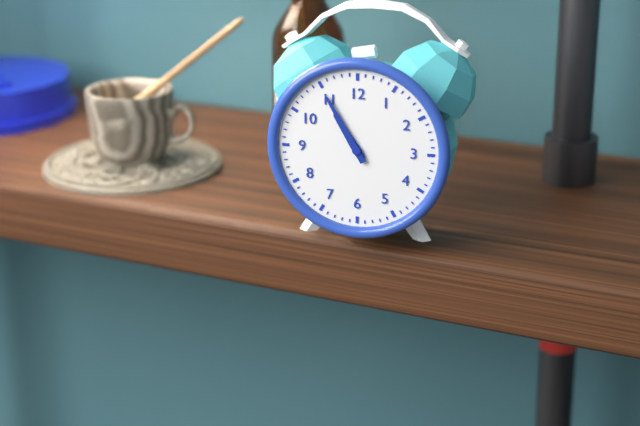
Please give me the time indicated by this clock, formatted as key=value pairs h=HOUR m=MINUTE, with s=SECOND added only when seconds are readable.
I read h=10 m=55
